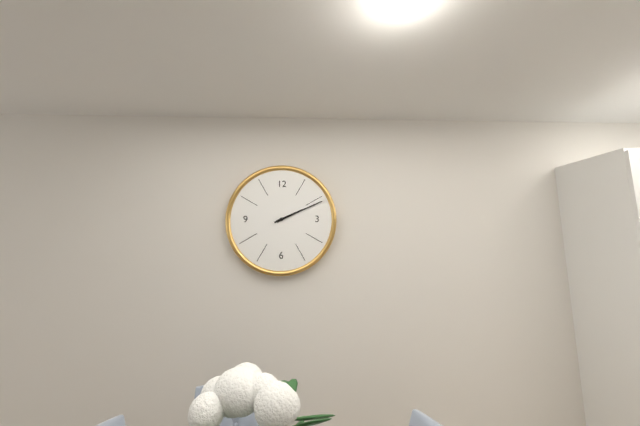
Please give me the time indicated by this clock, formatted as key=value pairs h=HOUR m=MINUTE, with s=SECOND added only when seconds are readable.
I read h=2 m=11
